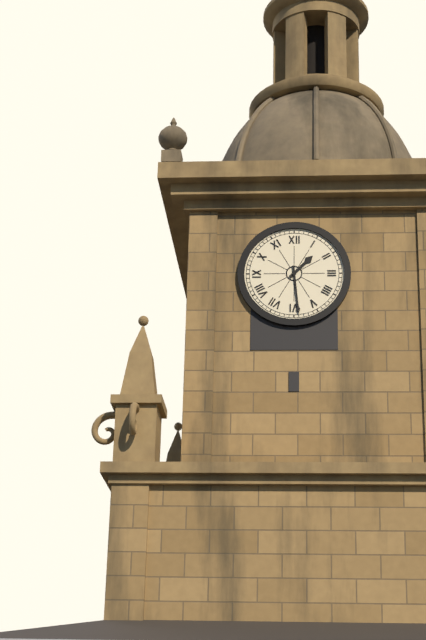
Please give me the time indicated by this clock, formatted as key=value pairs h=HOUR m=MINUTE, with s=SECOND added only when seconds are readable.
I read h=1 m=29
